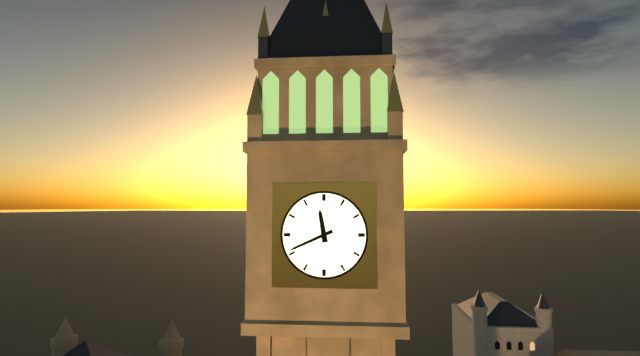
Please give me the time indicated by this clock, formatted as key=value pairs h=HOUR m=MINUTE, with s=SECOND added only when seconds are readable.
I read h=11 m=41
